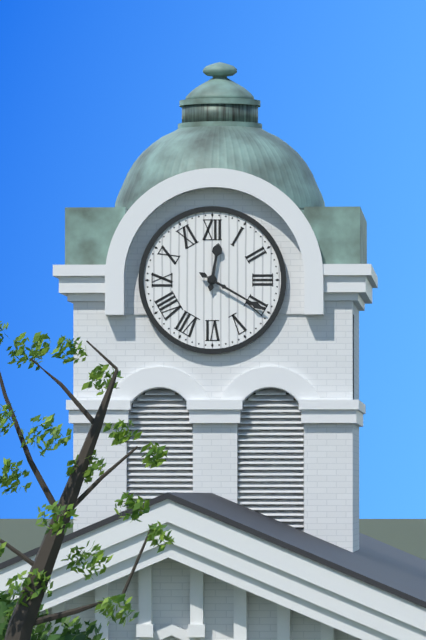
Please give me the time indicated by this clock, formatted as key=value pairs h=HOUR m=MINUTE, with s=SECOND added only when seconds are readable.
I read h=12 m=20
